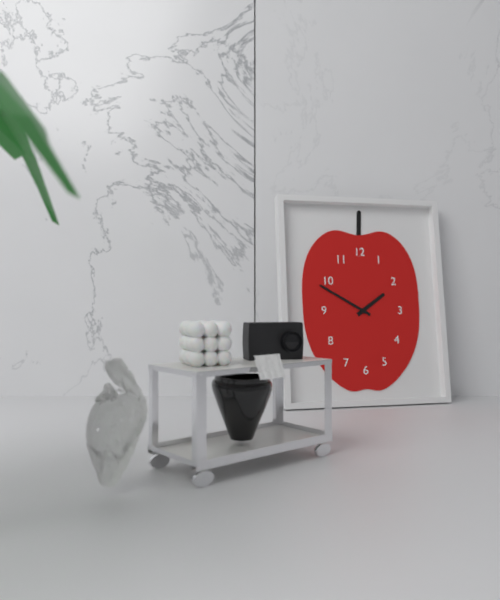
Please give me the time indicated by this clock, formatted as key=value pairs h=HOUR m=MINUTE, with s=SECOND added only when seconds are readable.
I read h=1 m=50
